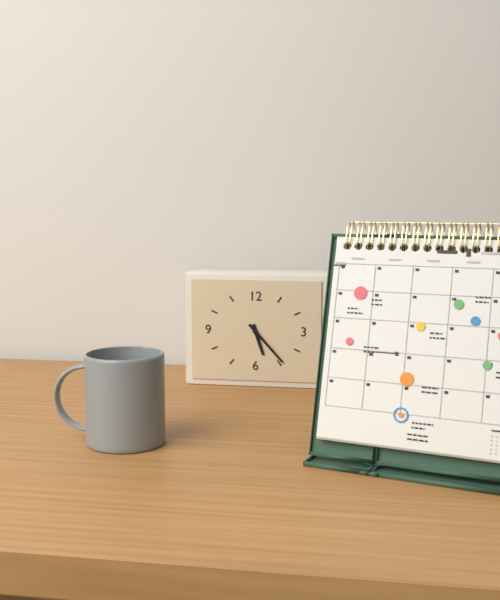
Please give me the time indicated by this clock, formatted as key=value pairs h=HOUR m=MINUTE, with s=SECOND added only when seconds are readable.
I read h=5 m=23
